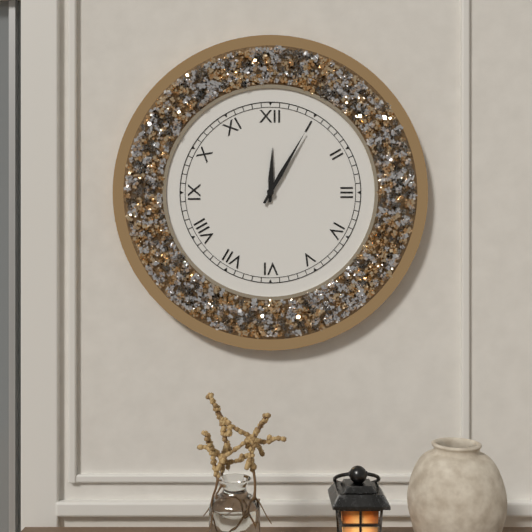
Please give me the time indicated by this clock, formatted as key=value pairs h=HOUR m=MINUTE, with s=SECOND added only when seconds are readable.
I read h=12 m=5
